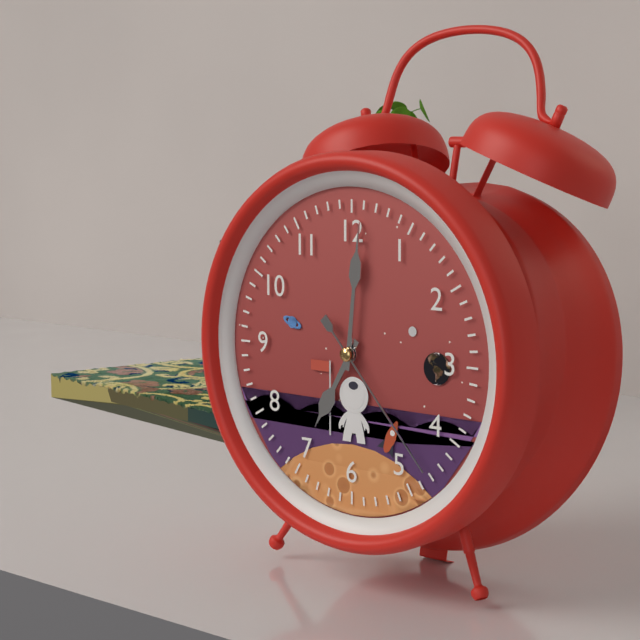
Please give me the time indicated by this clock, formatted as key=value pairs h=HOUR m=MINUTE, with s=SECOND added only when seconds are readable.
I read h=7 m=1 s=23
